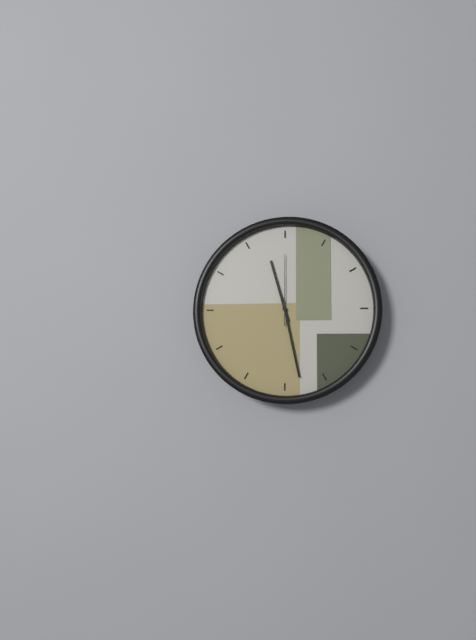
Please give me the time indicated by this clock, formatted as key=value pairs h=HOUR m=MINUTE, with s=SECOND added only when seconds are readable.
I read h=11 m=28 s=0
